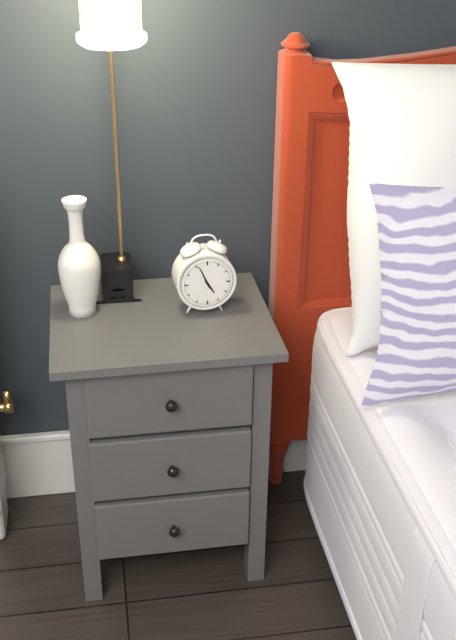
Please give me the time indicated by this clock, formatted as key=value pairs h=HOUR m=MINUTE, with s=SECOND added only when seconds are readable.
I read h=4 m=56
